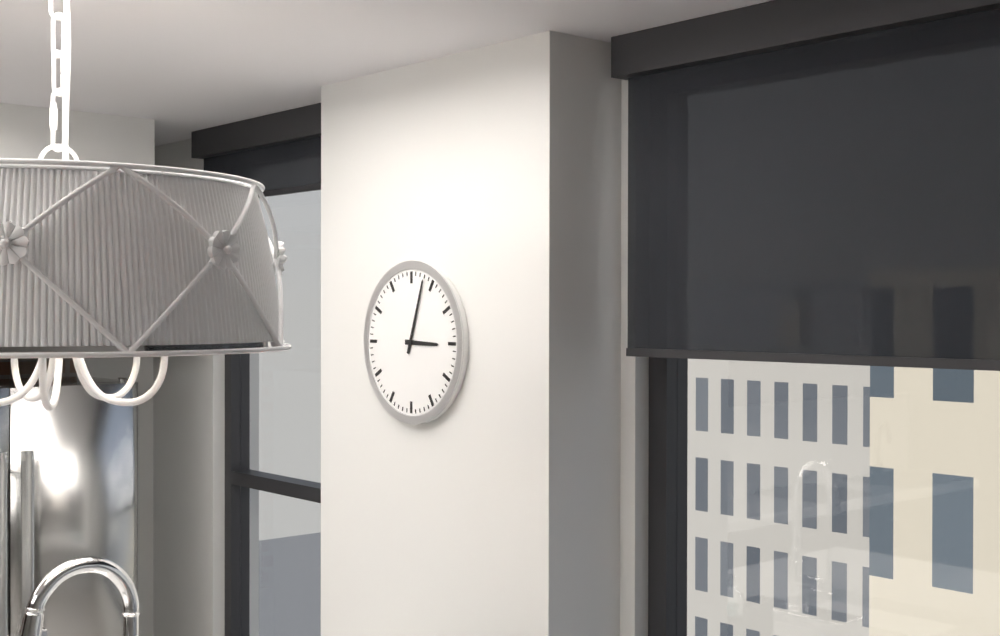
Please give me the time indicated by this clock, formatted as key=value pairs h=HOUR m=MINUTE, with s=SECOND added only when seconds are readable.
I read h=3 m=3
